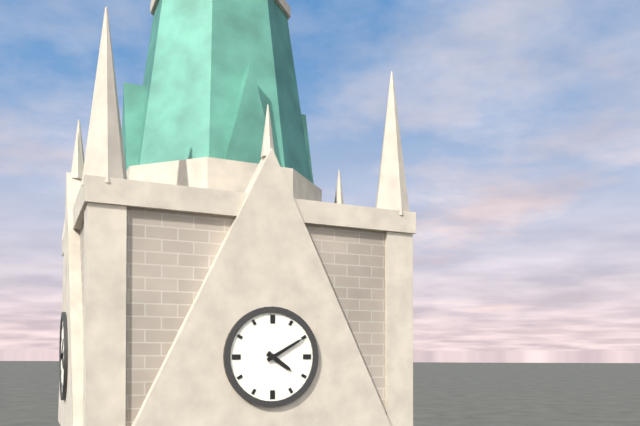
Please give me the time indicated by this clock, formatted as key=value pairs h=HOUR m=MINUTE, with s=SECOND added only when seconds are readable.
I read h=4 m=10
